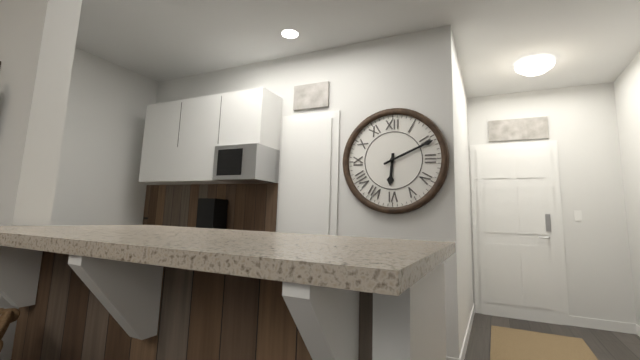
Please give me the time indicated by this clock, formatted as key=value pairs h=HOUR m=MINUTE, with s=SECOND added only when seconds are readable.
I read h=6 m=11
